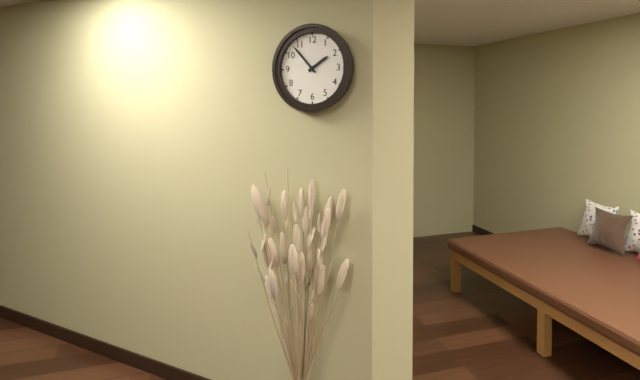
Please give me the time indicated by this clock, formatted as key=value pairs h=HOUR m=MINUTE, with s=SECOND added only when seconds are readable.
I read h=1 m=53
